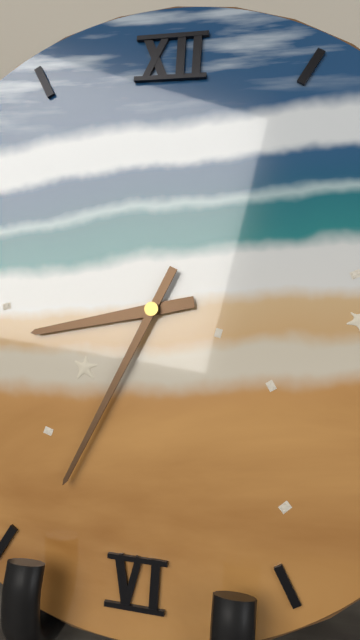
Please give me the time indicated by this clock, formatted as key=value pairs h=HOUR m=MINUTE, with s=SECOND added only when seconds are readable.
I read h=8 m=34
